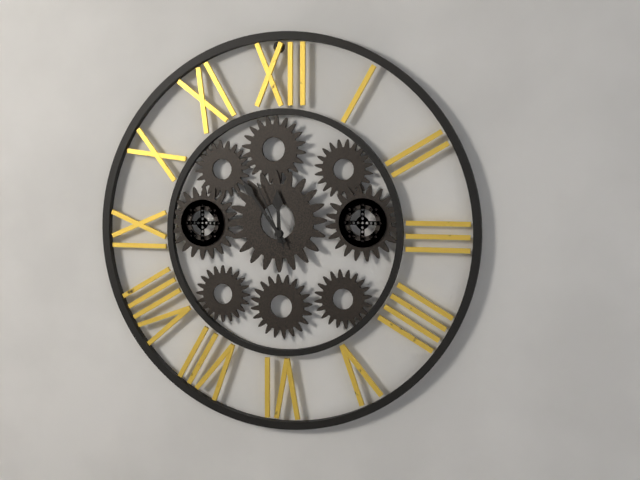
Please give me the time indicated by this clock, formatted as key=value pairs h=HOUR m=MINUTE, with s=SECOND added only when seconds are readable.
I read h=11 m=54 s=56
